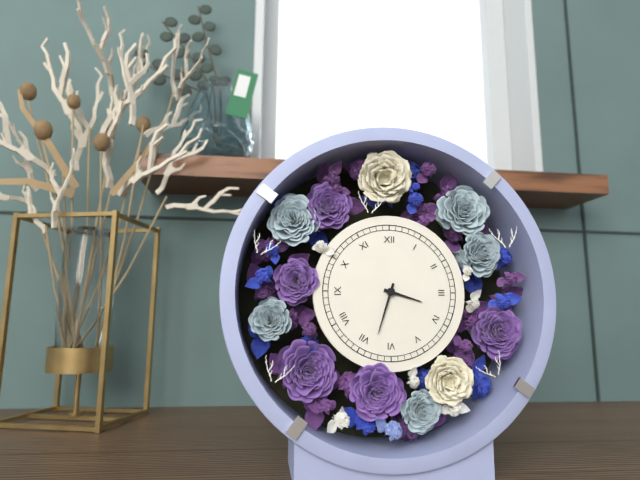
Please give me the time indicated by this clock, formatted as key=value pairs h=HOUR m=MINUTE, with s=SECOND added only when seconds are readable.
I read h=3 m=33
